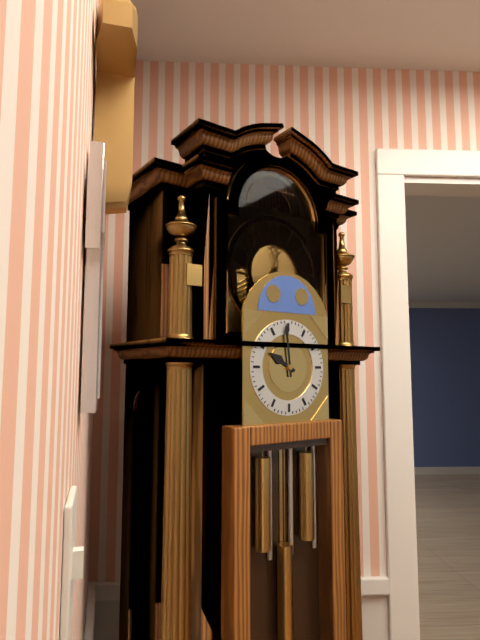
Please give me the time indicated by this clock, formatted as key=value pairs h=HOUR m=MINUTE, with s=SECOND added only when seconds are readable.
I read h=9 m=59
